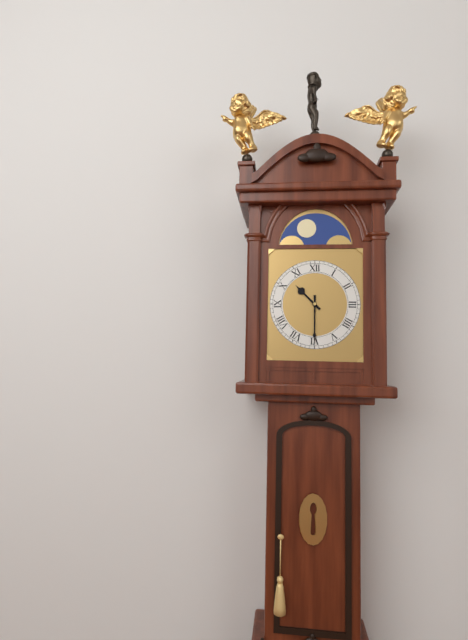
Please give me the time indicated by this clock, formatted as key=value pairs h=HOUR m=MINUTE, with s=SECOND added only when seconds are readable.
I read h=10 m=30
